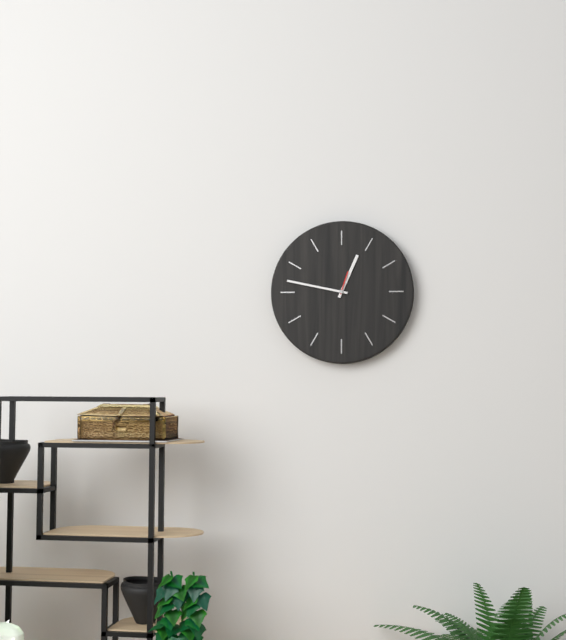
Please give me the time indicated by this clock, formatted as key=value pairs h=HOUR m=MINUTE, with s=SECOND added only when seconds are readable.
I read h=12 m=47
